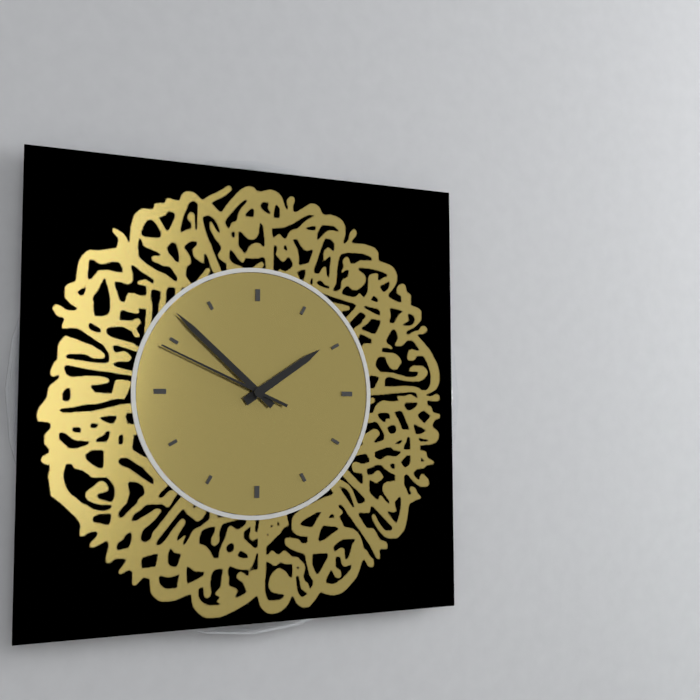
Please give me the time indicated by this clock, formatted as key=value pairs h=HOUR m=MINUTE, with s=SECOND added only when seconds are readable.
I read h=1 m=52 s=49
